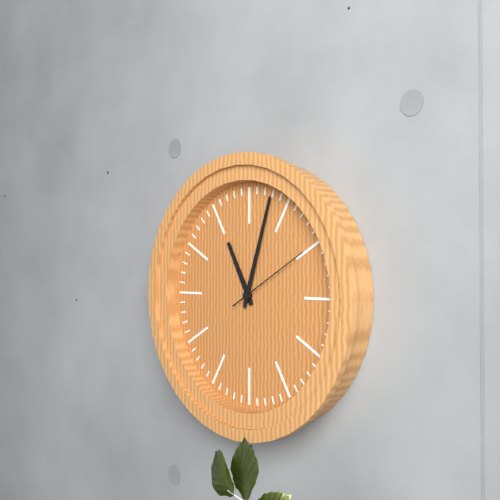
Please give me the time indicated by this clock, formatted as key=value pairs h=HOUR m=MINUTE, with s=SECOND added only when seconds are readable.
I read h=11 m=3 s=10
